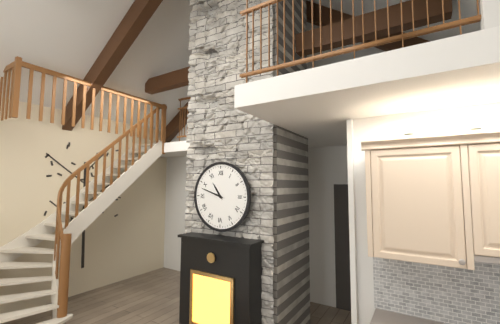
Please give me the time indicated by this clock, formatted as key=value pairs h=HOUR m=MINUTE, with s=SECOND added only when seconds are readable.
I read h=10 m=48
